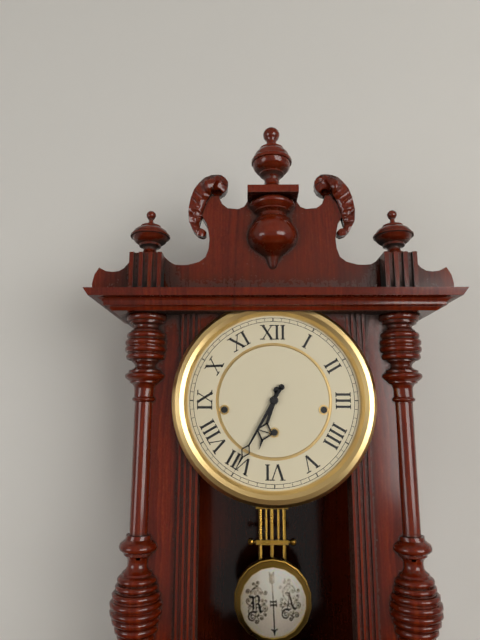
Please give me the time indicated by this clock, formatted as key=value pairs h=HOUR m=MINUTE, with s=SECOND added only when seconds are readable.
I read h=6 m=35
